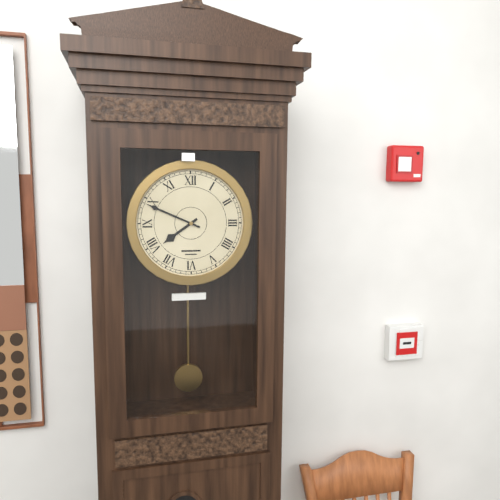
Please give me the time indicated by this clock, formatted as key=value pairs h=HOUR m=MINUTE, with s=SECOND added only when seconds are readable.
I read h=7 m=49
